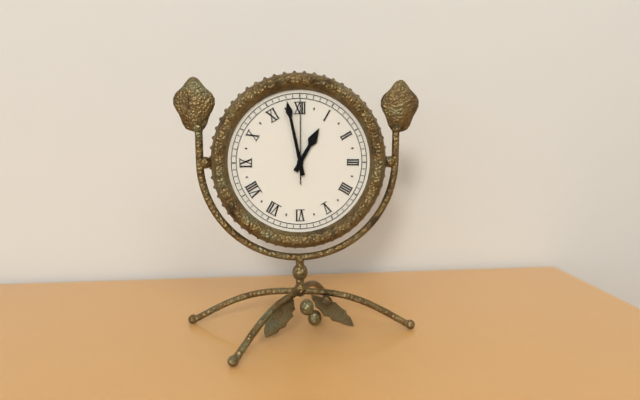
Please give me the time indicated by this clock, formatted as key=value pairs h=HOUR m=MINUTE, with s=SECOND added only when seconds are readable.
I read h=12 m=58 s=0
